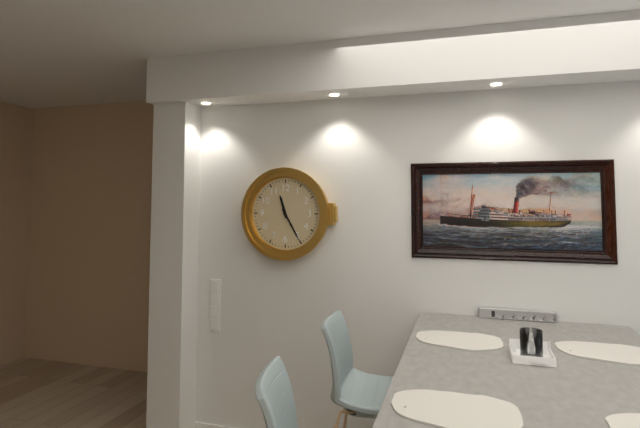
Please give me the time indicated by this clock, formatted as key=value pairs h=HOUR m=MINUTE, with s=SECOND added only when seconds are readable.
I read h=11 m=25
